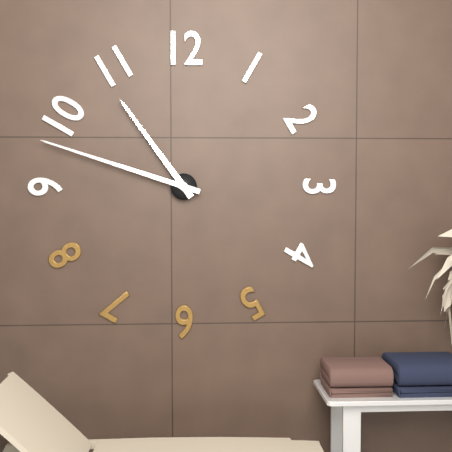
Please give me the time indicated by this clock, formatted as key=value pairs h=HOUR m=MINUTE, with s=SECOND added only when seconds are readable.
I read h=10 m=48
